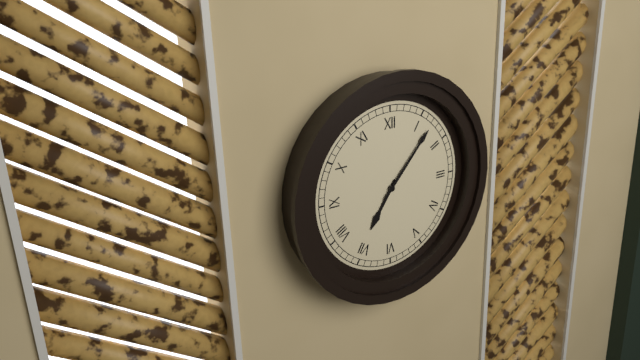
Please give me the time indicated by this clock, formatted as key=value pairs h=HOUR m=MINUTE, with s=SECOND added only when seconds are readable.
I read h=7 m=7
